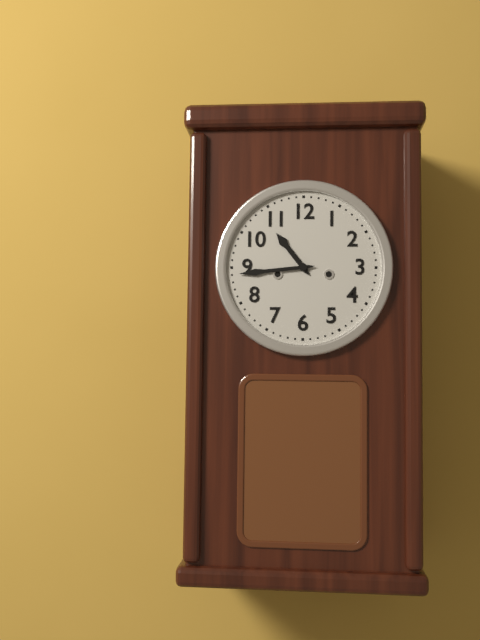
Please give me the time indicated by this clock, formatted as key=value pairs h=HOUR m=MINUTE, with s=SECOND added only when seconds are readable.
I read h=10 m=44
